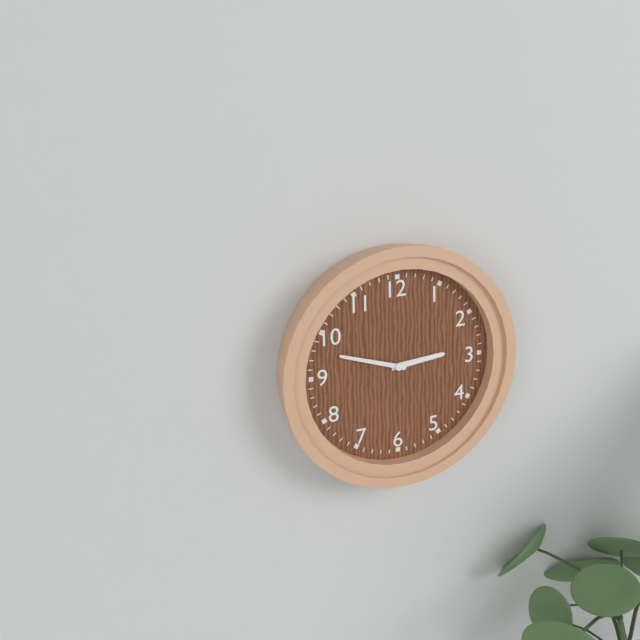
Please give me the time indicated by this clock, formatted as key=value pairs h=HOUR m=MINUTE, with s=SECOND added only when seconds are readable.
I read h=2 m=48
